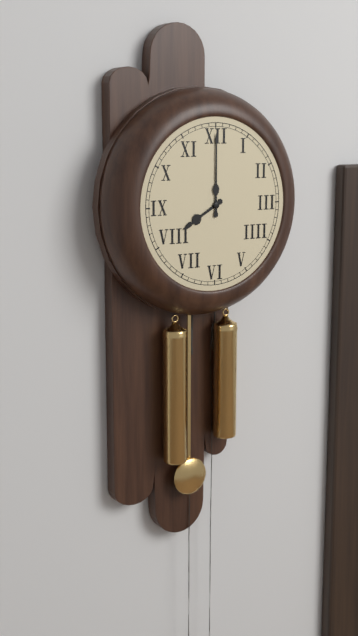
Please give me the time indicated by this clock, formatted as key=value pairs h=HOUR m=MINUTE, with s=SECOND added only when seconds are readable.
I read h=8 m=0
